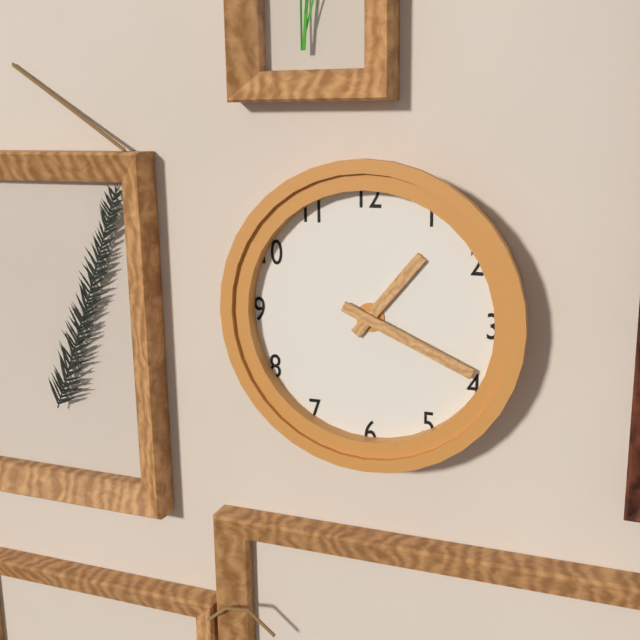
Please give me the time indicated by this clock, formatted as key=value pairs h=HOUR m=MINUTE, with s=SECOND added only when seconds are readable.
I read h=1 m=19
